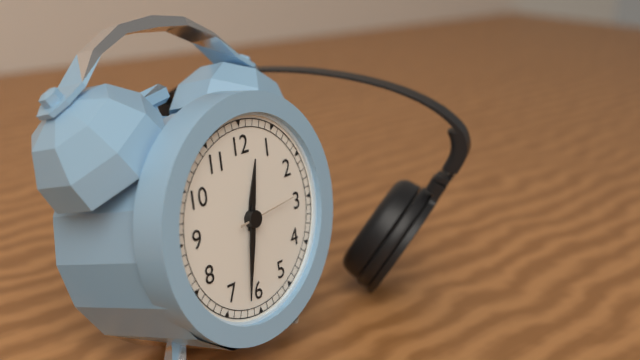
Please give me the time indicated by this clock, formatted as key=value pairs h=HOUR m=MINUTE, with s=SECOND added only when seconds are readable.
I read h=12 m=32 s=14
